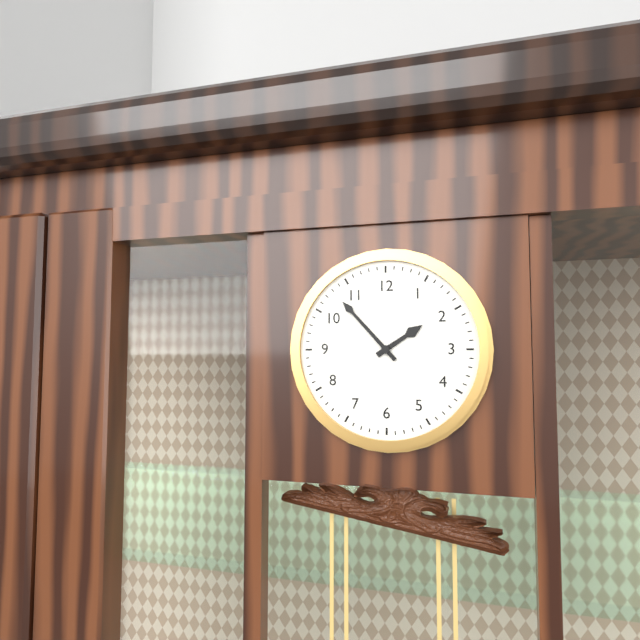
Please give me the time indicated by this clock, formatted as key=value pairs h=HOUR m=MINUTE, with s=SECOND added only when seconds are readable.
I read h=1 m=53
